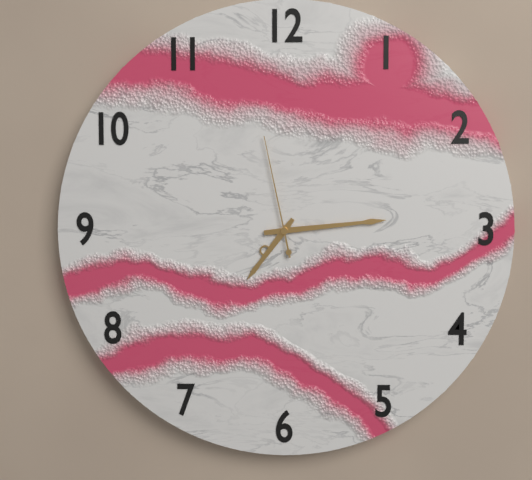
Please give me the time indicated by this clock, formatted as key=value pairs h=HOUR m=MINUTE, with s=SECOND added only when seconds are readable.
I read h=7 m=14 s=58
